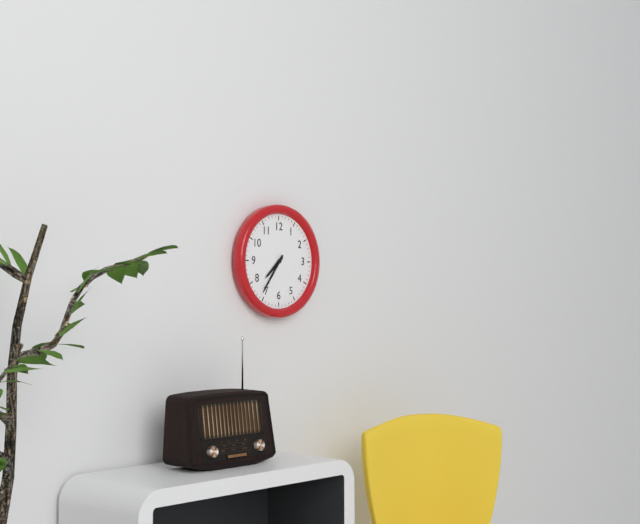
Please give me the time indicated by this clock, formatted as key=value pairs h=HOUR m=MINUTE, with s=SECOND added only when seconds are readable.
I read h=7 m=36
